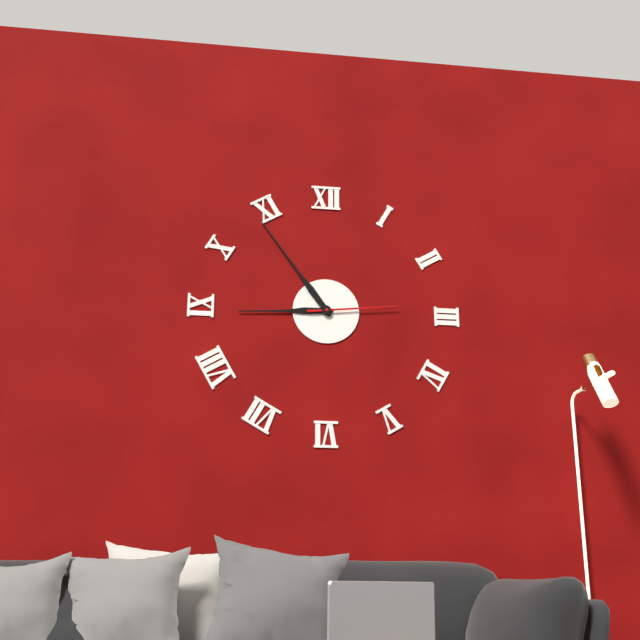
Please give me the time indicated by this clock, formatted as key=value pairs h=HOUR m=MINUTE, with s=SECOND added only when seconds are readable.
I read h=8 m=54 s=14
